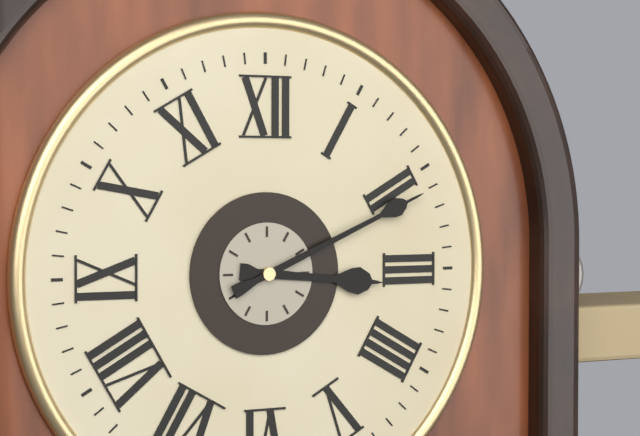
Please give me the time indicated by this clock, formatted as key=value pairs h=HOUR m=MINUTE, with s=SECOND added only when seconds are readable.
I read h=3 m=11
